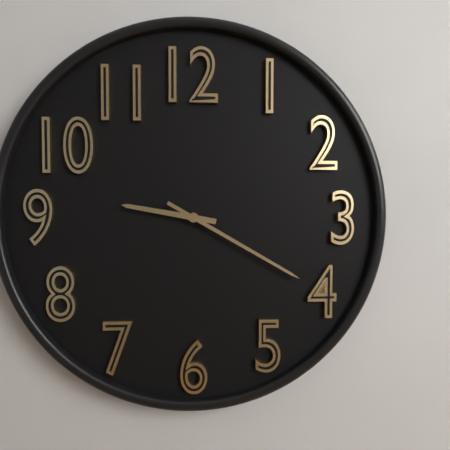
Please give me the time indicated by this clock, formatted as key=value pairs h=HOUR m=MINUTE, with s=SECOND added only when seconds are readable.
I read h=9 m=20
